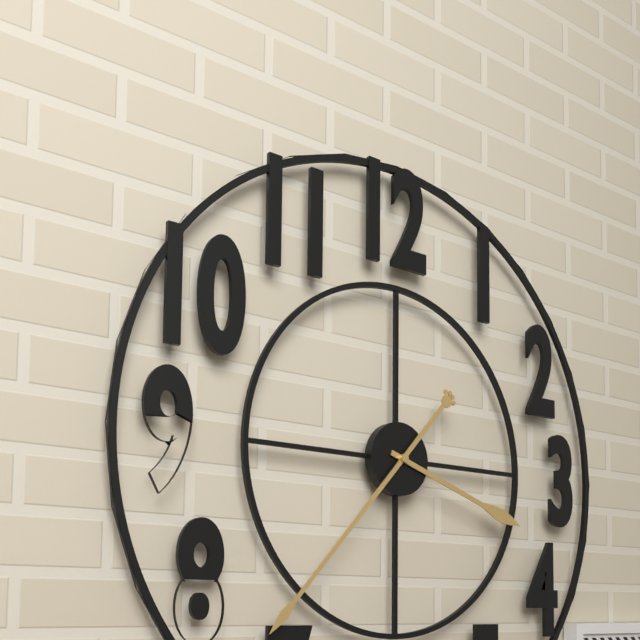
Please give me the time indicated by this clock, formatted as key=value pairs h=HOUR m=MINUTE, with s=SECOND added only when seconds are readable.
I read h=3 m=37
